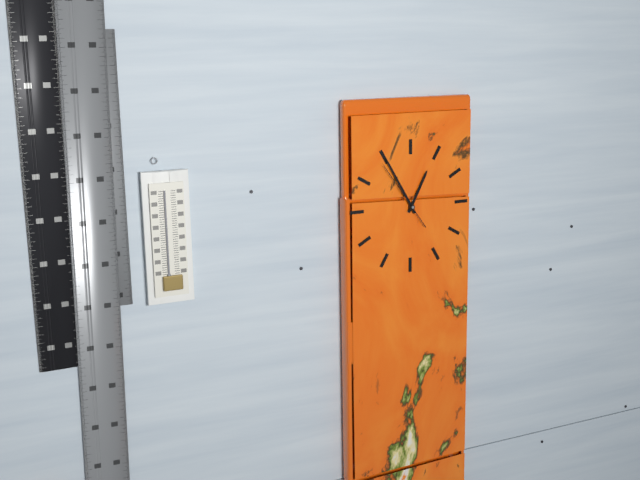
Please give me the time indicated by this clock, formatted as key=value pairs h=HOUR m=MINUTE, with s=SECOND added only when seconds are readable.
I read h=12 m=55 s=54
